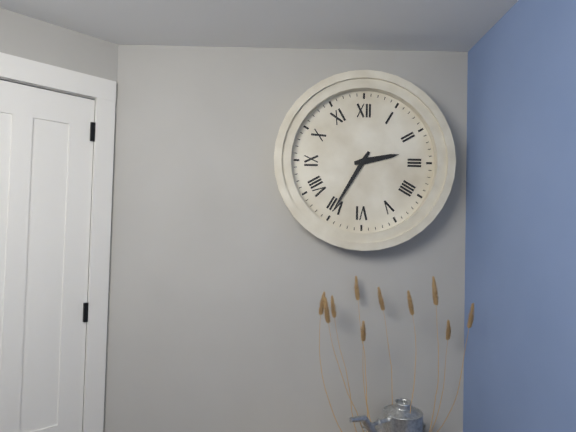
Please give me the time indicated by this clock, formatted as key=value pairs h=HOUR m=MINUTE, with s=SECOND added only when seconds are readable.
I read h=2 m=35
